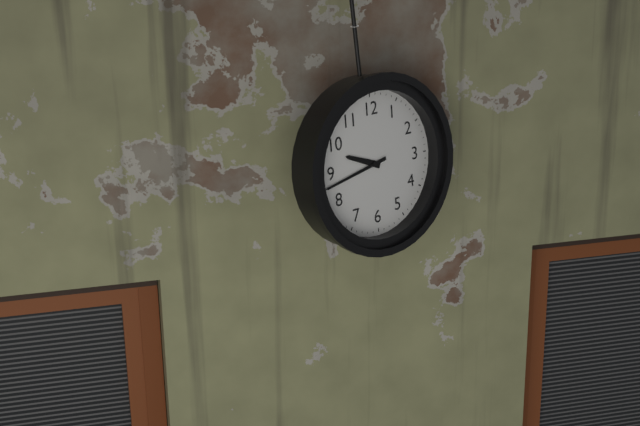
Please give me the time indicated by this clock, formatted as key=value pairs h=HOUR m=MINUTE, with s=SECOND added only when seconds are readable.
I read h=9 m=43
